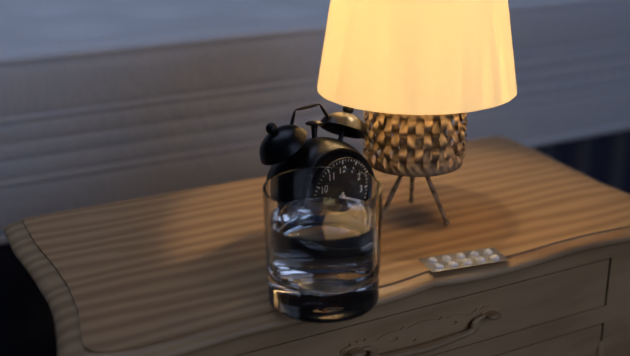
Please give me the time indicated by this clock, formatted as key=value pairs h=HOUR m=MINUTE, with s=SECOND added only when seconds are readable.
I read h=6 m=19
